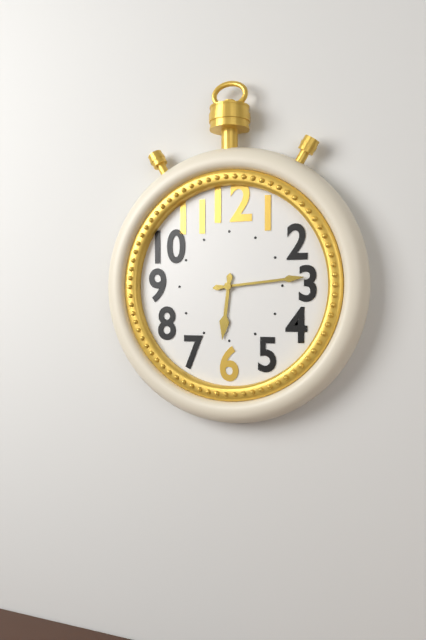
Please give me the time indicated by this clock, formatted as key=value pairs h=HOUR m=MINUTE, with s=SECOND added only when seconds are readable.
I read h=6 m=14
